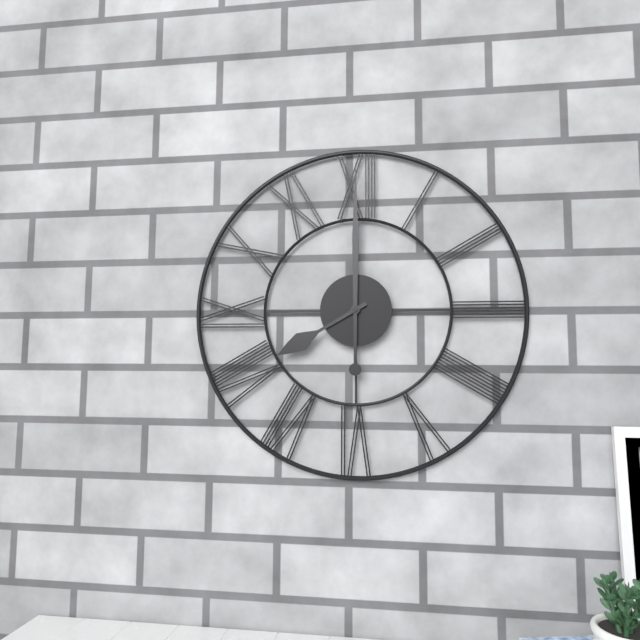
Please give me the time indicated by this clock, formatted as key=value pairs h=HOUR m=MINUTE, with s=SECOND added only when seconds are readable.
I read h=8 m=0
